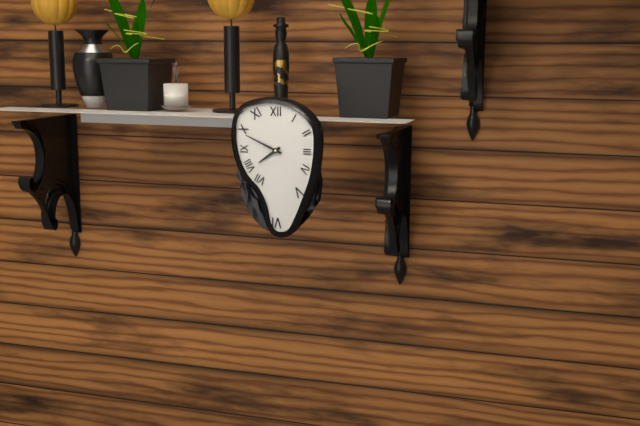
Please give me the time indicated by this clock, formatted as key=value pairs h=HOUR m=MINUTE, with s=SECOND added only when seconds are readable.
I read h=7 m=49
